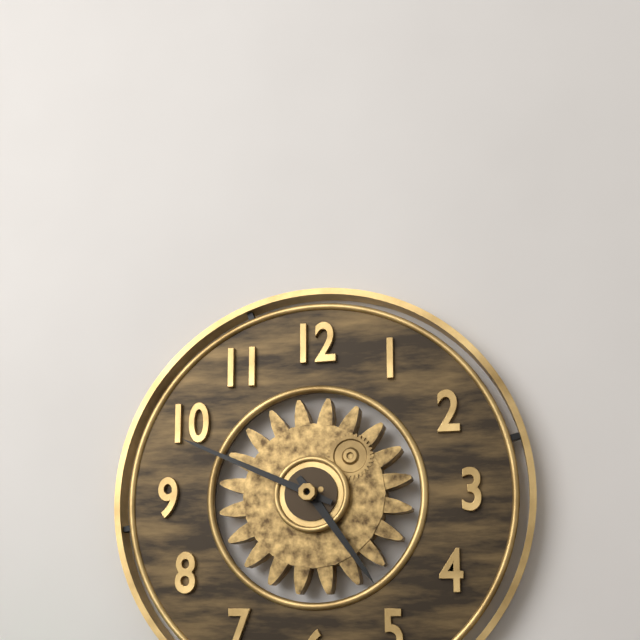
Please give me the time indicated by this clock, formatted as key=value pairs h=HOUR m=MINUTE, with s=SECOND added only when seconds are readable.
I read h=4 m=49
